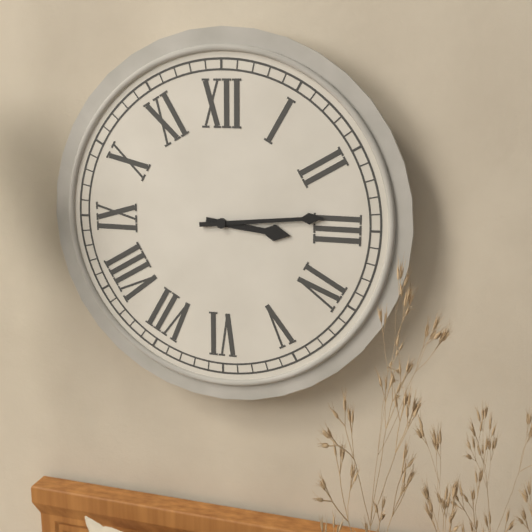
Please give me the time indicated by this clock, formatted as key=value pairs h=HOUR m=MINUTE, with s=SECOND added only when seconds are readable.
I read h=3 m=14
